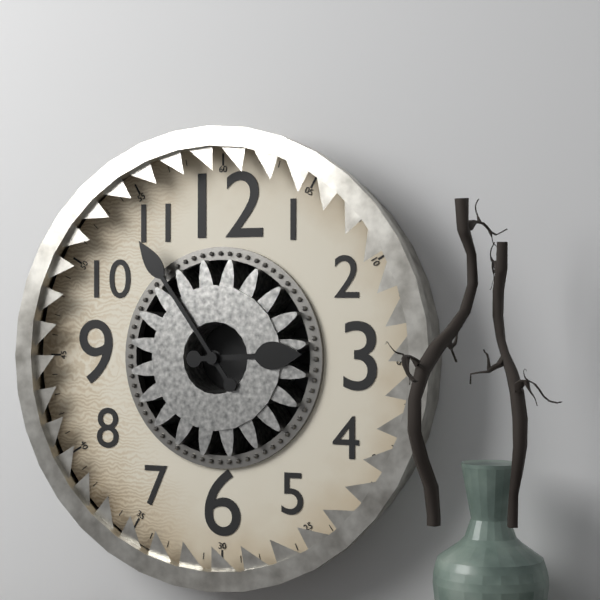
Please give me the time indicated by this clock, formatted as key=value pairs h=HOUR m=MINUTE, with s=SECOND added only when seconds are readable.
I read h=2 m=54
